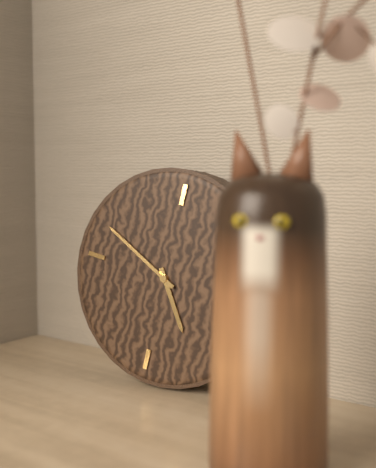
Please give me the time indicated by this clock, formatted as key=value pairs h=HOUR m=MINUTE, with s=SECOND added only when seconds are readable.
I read h=4 m=49
